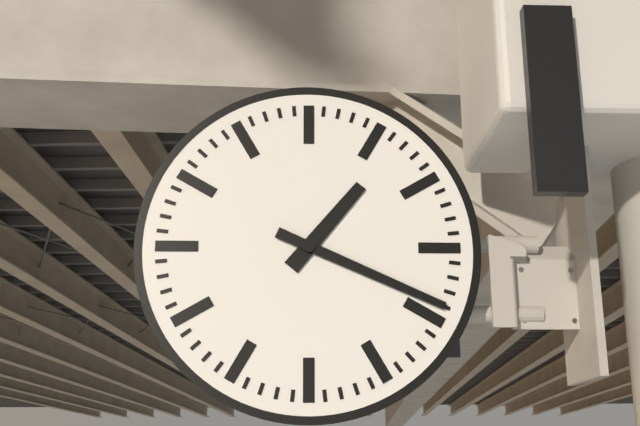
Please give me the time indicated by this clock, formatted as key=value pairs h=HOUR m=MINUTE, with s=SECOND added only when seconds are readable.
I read h=1 m=19
